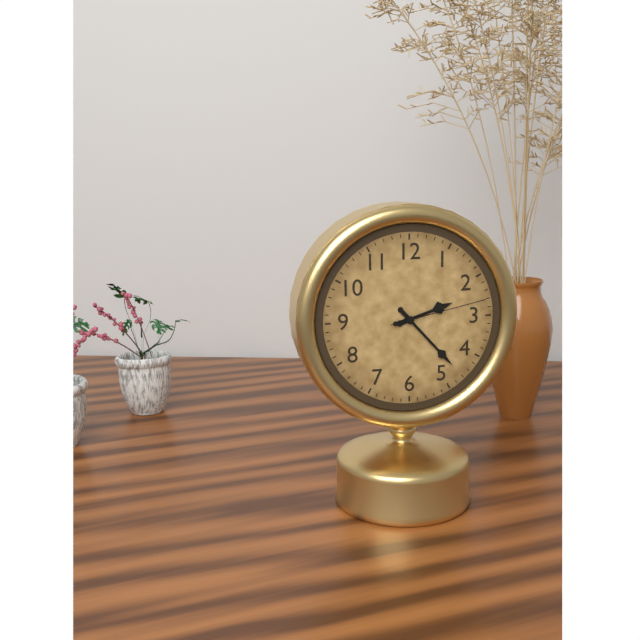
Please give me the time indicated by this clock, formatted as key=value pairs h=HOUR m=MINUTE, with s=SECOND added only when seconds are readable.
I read h=2 m=23 s=13
